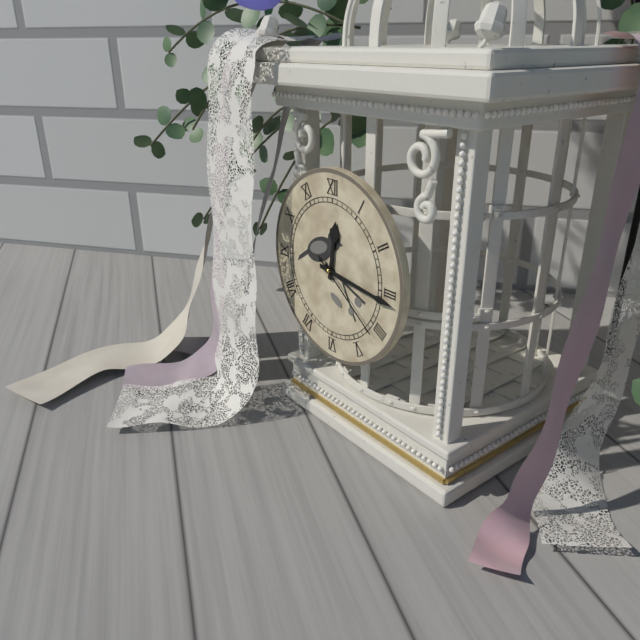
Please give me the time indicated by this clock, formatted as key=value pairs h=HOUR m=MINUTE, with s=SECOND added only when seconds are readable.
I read h=12 m=16 s=21
